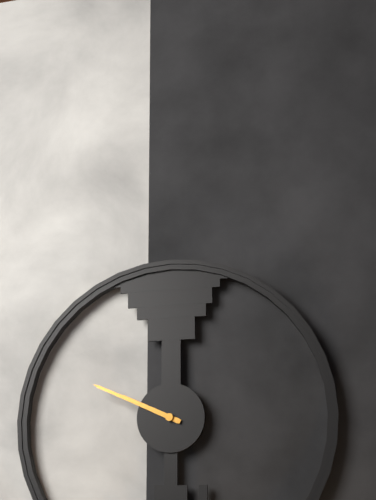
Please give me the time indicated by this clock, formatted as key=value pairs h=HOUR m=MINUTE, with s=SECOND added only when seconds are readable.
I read h=9 m=49
